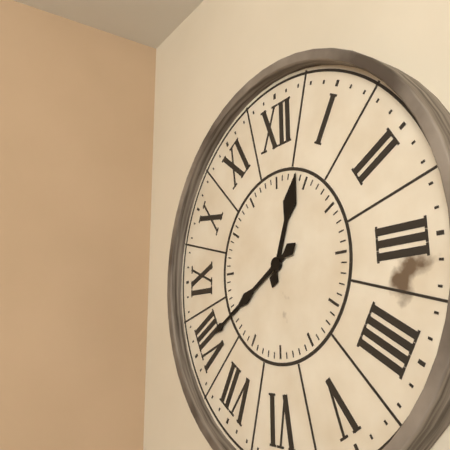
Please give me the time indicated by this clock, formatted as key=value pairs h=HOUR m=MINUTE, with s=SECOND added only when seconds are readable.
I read h=12 m=40
